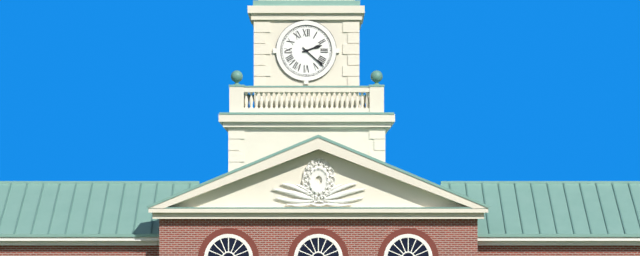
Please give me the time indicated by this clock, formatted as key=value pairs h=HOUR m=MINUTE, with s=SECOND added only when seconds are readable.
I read h=2 m=22
